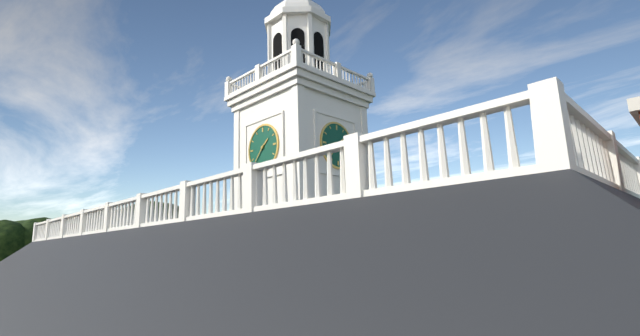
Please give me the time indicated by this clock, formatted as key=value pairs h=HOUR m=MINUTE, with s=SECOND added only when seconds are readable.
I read h=1 m=37
